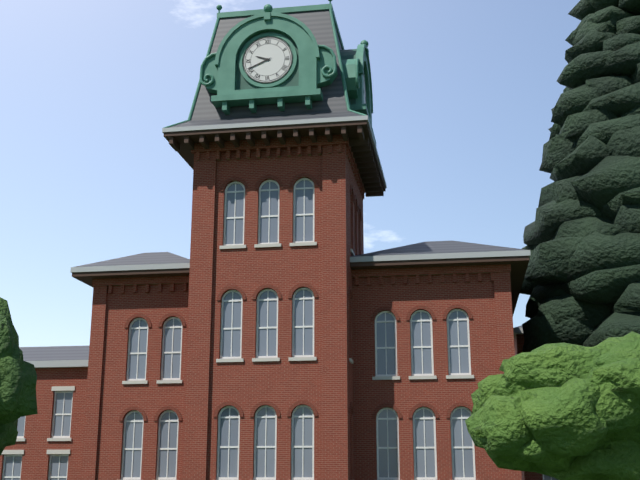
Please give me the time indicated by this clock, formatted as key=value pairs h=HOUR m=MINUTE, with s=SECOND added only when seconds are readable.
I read h=9 m=41
